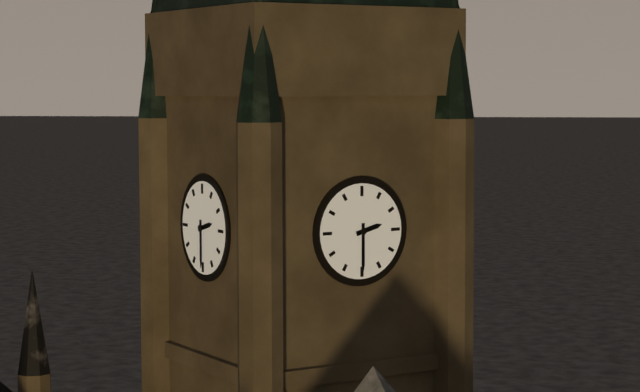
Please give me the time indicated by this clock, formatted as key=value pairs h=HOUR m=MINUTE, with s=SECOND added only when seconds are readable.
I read h=2 m=30
